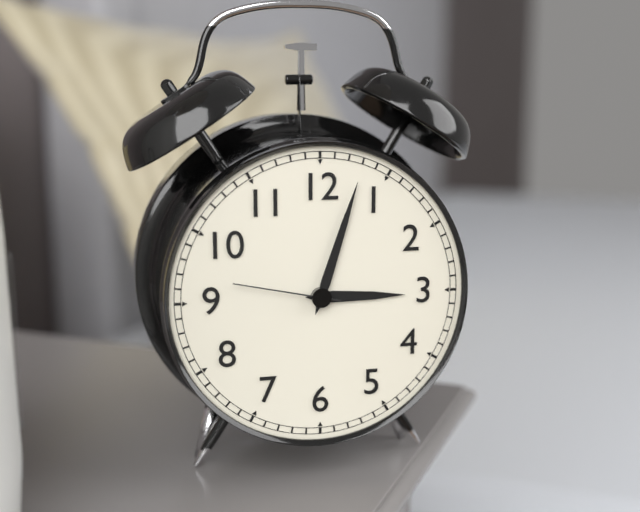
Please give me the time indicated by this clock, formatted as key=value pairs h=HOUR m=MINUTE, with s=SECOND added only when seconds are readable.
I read h=3 m=3 s=47
